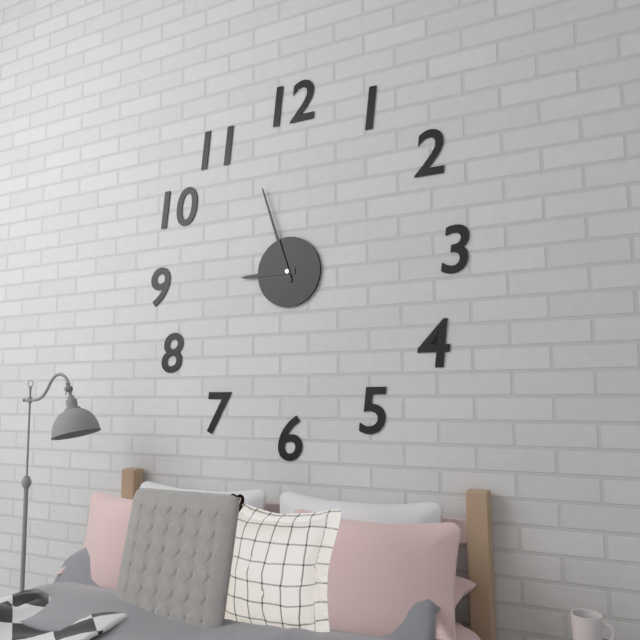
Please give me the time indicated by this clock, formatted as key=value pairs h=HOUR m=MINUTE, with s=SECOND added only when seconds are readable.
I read h=8 m=57
